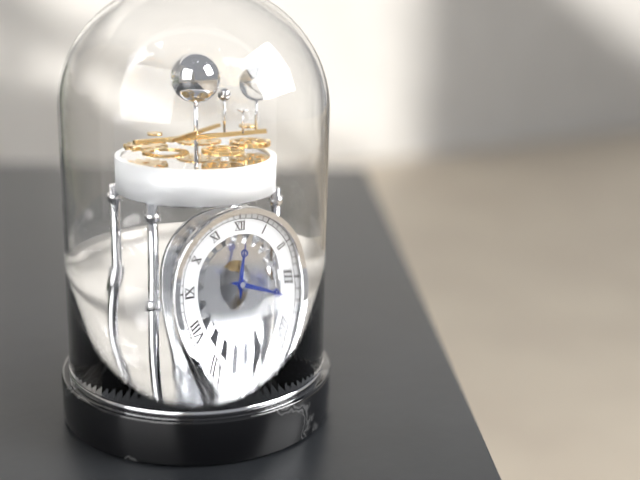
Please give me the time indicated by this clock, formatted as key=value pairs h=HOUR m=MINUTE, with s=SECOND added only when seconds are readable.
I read h=12 m=17
